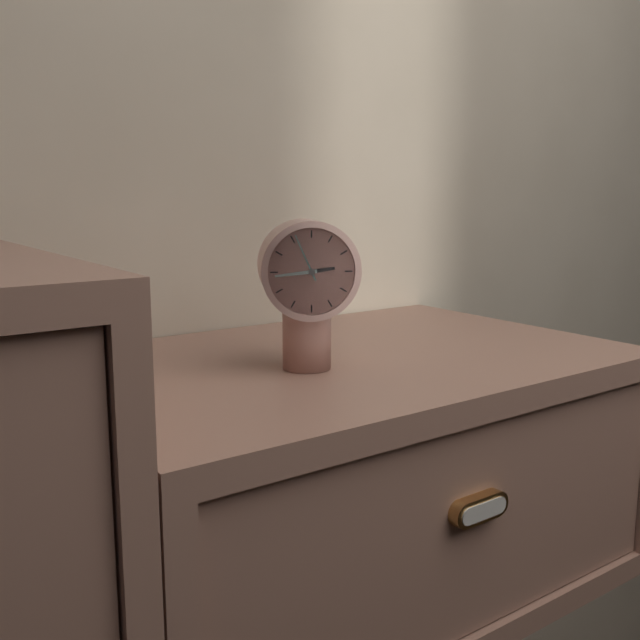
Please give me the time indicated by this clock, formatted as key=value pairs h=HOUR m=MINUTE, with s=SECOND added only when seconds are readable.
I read h=2 m=44 s=56
